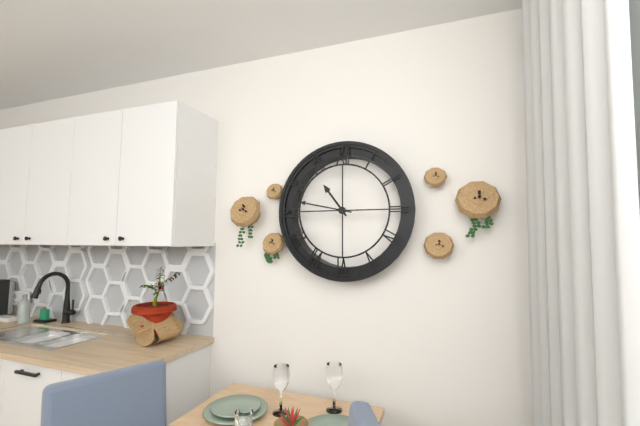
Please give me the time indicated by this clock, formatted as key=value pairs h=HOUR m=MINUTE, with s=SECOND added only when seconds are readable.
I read h=10 m=47
